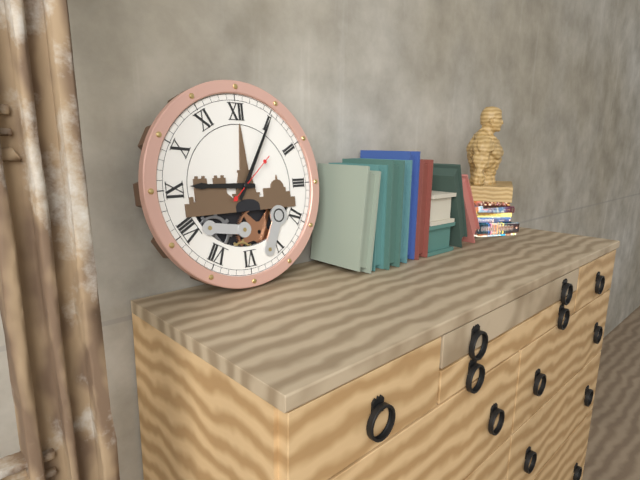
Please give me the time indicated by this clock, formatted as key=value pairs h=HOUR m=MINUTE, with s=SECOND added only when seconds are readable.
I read h=9 m=5 s=8
